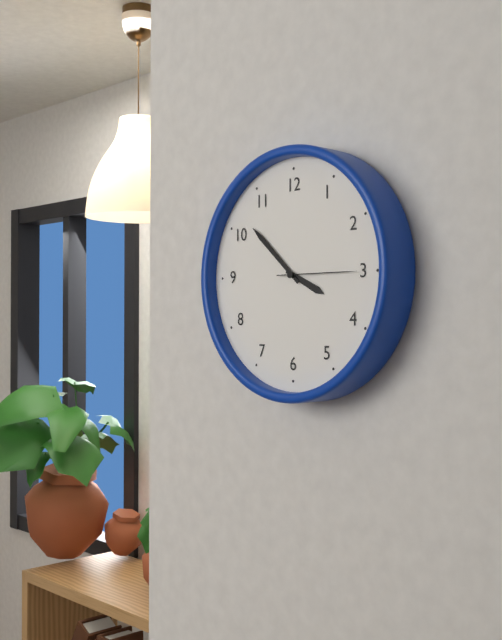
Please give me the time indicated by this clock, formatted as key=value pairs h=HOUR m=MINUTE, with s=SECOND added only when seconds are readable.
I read h=3 m=52 s=15
